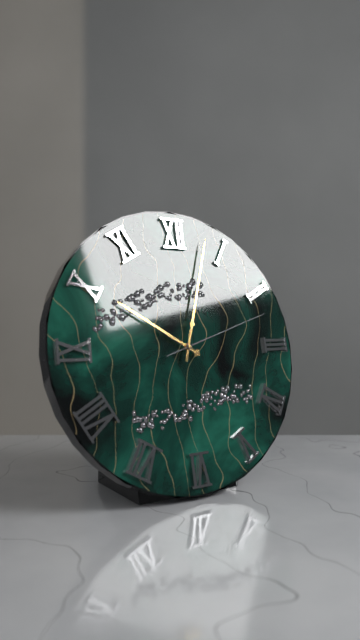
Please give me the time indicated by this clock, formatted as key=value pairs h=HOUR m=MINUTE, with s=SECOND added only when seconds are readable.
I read h=10 m=3 s=12
